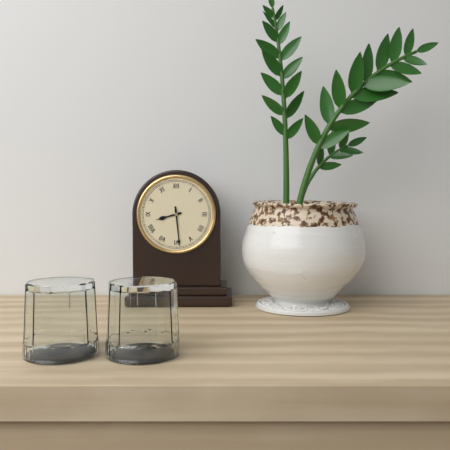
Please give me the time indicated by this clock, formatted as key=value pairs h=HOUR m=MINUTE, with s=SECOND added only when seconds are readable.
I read h=8 m=29
